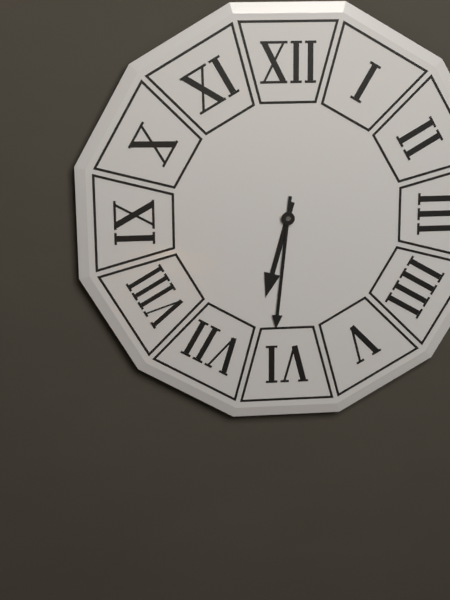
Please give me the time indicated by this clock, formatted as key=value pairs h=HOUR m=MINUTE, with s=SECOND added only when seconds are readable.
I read h=6 m=31
